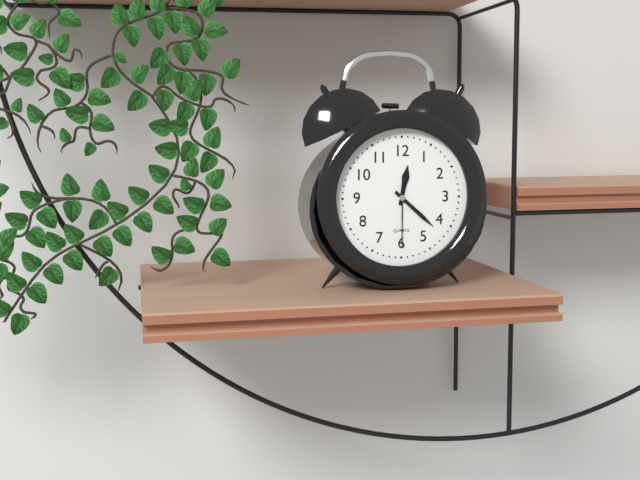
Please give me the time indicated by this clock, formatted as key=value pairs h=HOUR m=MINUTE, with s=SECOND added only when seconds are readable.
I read h=12 m=22 s=30
